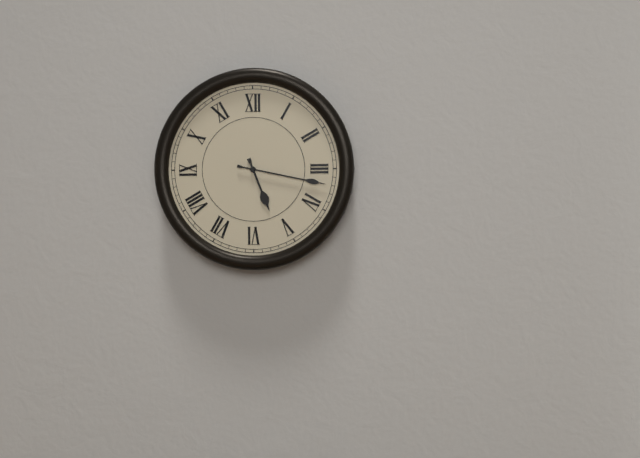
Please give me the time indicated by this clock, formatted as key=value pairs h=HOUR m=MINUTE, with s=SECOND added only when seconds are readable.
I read h=5 m=17
